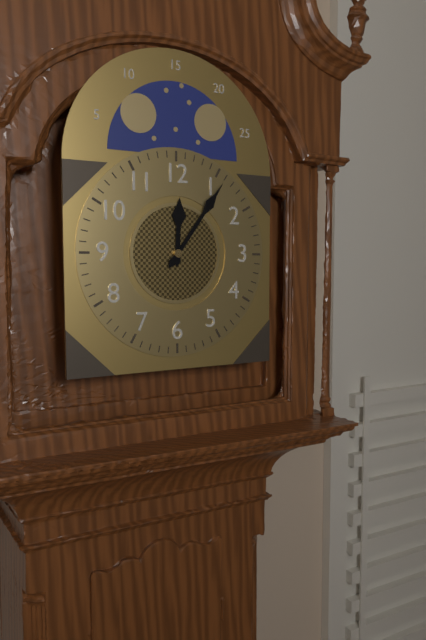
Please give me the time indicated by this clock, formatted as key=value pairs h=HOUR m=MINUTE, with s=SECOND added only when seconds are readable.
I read h=12 m=6
